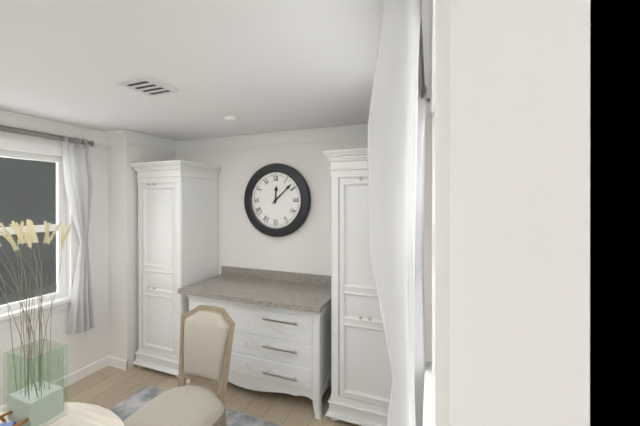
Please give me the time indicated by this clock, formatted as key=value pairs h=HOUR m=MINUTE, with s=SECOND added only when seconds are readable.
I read h=12 m=8
